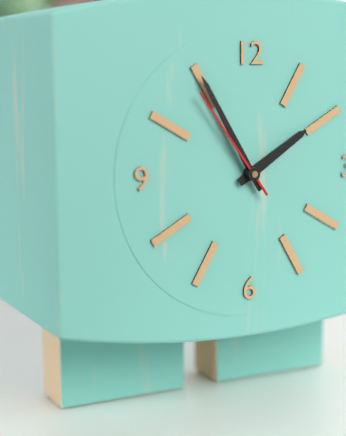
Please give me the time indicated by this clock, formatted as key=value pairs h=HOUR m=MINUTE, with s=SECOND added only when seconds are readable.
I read h=1 m=55 s=54
